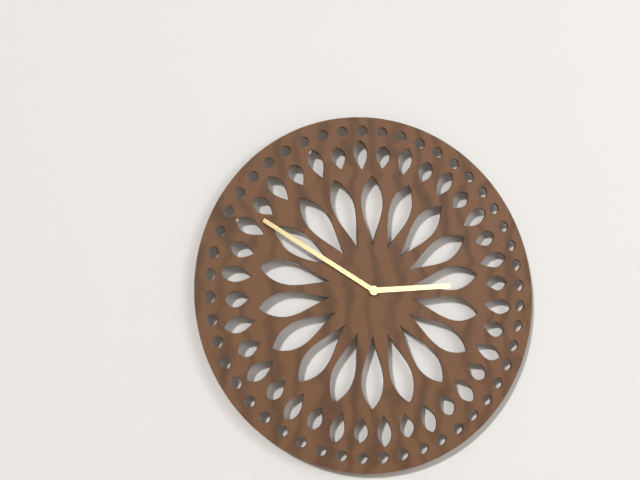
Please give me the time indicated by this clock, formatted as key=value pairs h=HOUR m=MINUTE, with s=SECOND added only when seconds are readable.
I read h=2 m=50
